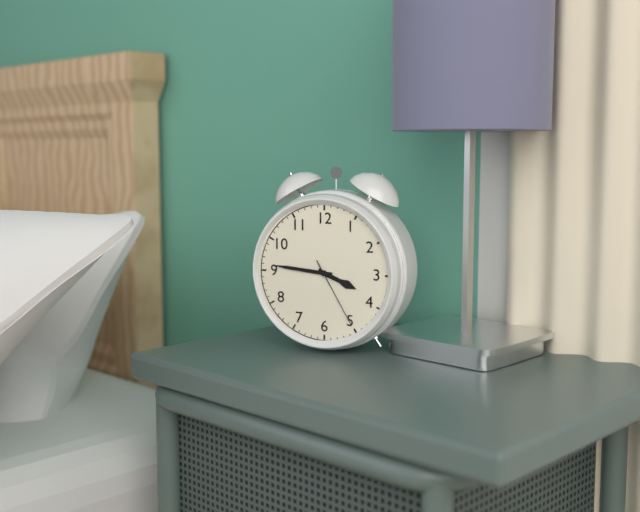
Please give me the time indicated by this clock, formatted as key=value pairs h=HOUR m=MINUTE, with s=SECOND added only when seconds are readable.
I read h=3 m=46 s=25
